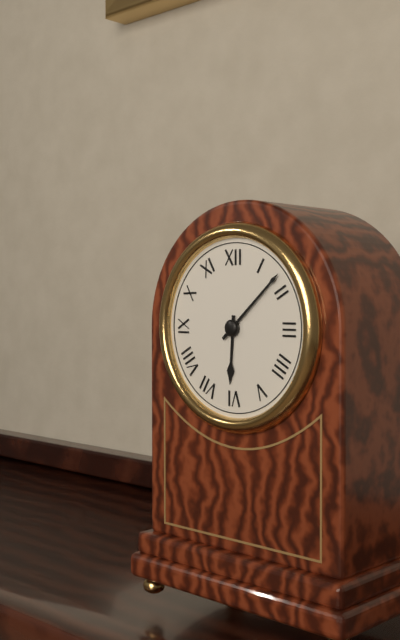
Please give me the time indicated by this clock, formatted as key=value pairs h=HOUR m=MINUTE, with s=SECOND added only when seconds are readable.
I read h=6 m=8
